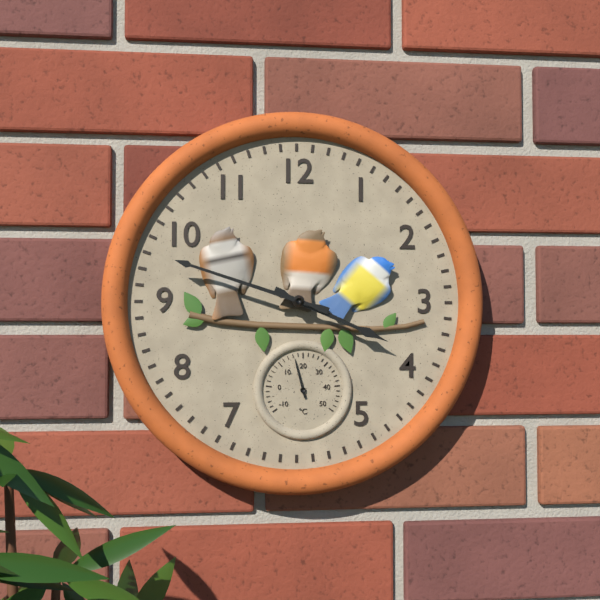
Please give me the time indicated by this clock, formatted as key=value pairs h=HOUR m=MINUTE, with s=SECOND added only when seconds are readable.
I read h=3 m=48
